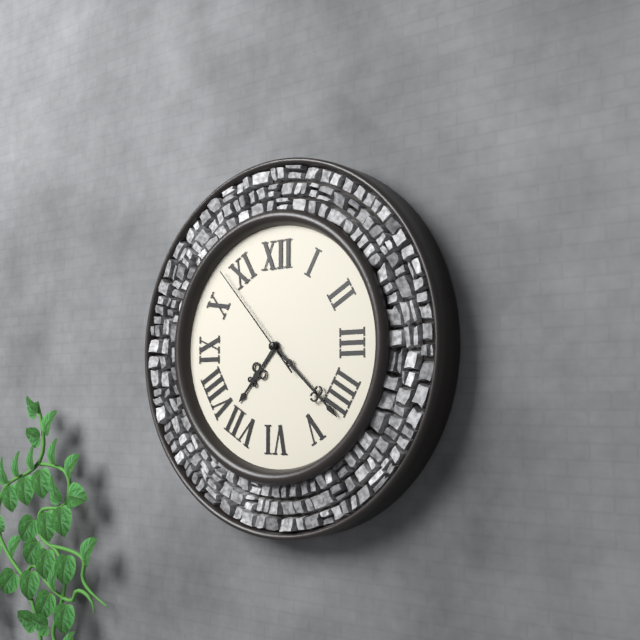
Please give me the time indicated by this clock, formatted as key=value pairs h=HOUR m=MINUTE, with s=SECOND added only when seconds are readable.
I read h=7 m=22 s=53
